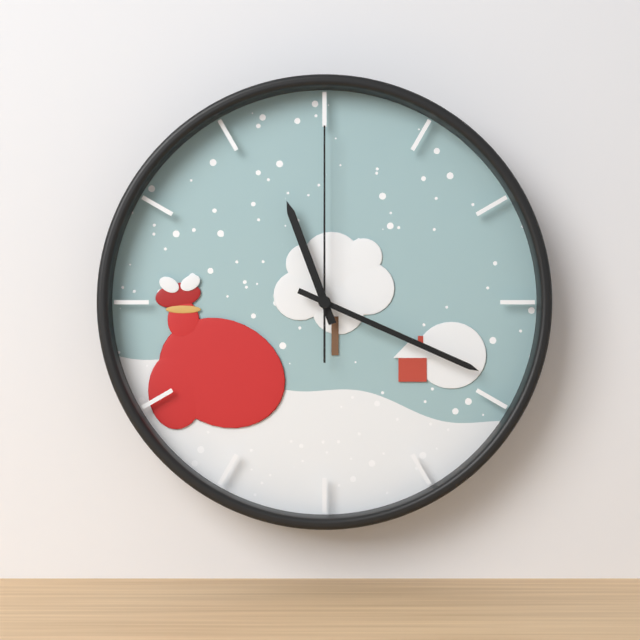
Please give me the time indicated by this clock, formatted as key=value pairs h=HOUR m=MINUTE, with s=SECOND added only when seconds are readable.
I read h=11 m=19 s=0
